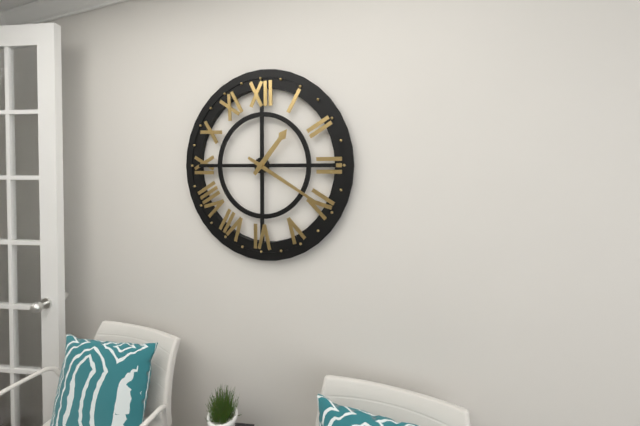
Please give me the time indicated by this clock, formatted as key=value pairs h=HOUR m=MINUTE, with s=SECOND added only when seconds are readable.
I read h=1 m=20
